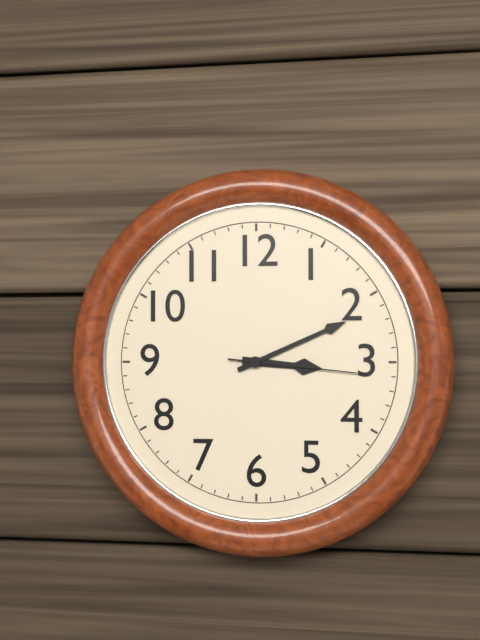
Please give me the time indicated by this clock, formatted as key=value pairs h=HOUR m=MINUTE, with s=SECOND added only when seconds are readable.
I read h=3 m=11 s=16
